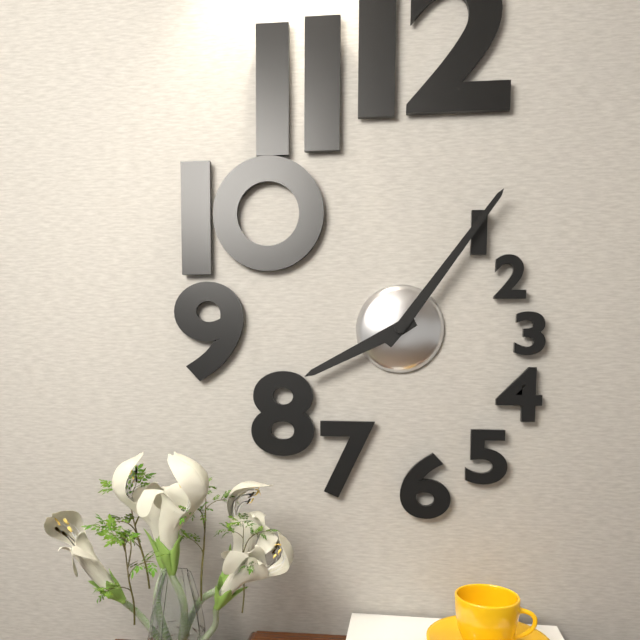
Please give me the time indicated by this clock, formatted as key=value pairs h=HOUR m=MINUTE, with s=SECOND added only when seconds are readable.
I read h=8 m=6
